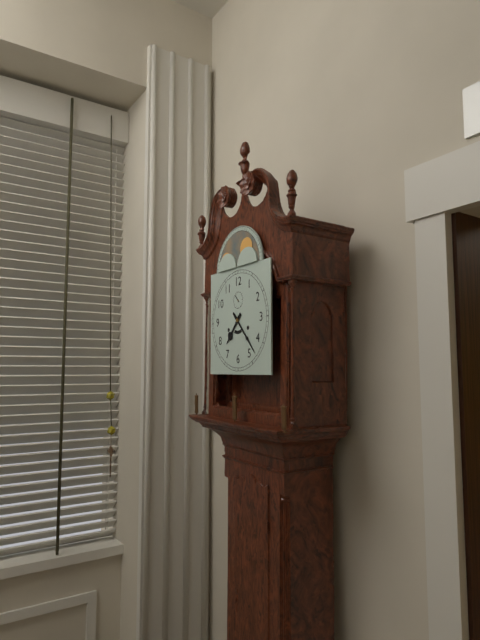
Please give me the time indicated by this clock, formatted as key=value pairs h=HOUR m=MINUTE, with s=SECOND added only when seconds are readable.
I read h=7 m=23
